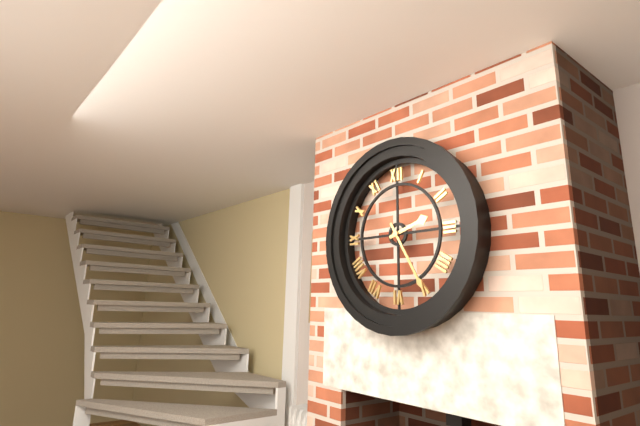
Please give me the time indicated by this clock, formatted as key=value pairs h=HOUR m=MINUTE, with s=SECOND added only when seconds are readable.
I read h=2 m=25
